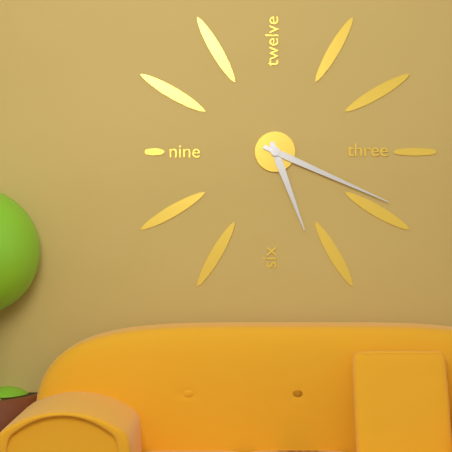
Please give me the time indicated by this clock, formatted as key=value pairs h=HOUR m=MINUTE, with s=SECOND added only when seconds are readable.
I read h=5 m=19
